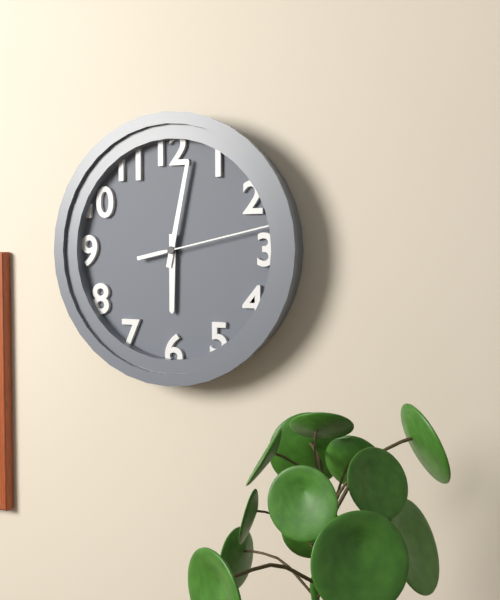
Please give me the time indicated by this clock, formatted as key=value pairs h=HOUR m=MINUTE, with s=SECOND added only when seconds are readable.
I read h=6 m=2 s=13
